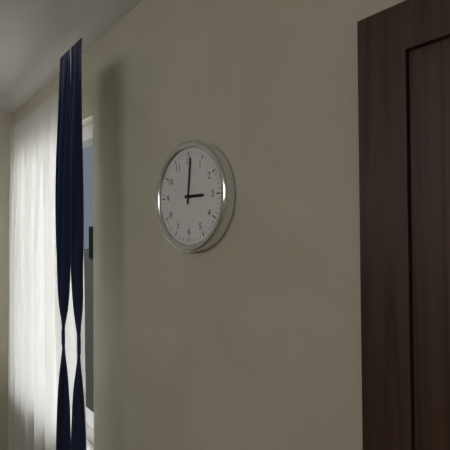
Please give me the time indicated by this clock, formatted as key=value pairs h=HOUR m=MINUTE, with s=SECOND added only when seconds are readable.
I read h=3 m=1
